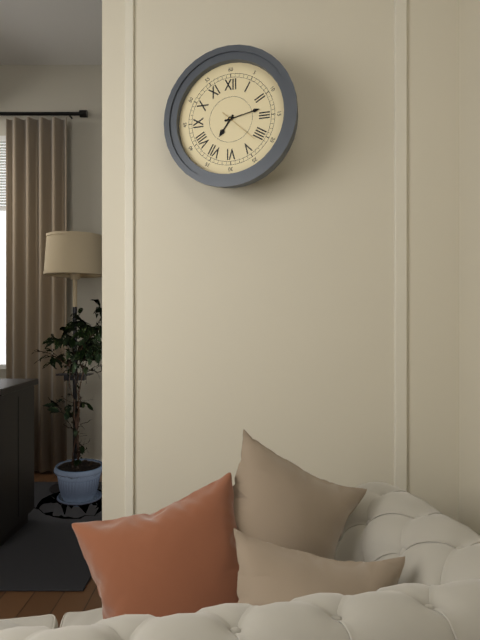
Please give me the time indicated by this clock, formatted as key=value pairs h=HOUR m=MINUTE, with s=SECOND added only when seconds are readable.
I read h=7 m=13
